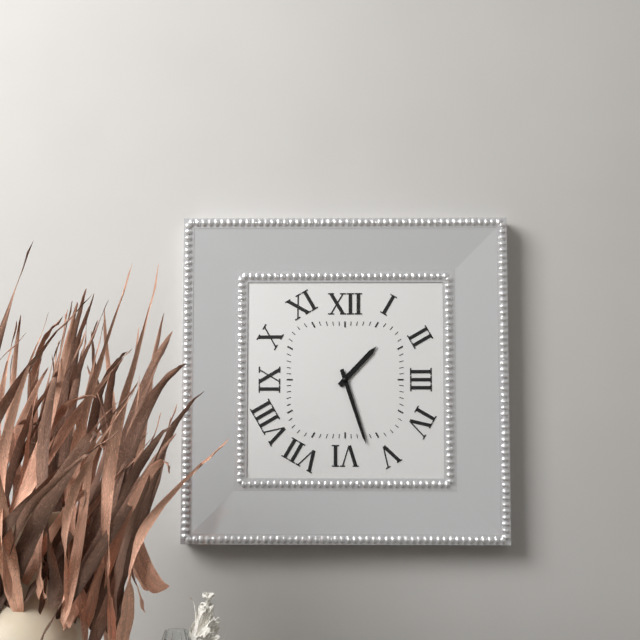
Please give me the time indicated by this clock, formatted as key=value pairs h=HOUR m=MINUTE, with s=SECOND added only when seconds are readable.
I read h=1 m=27
